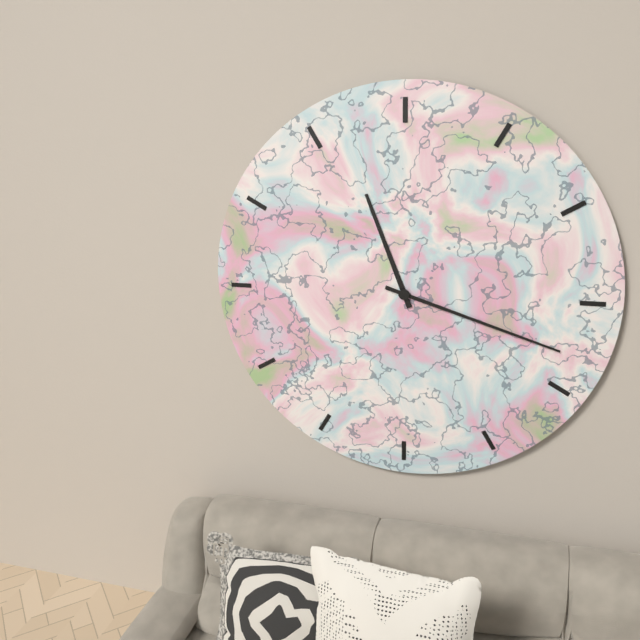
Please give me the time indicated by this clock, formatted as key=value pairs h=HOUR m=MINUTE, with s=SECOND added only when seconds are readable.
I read h=11 m=18
